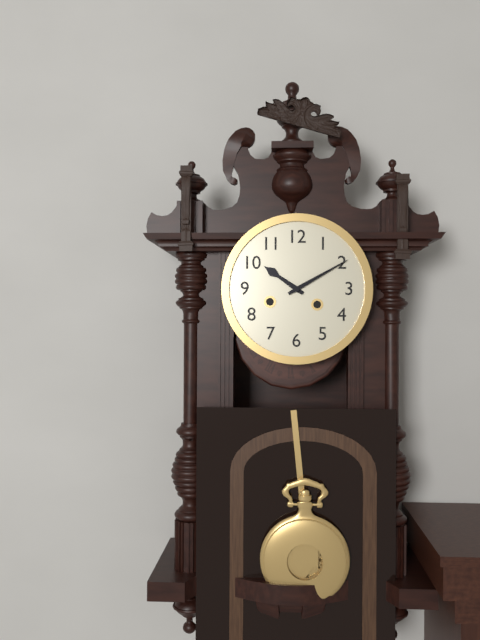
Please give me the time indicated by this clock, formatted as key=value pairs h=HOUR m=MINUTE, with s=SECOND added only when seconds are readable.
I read h=10 m=10
